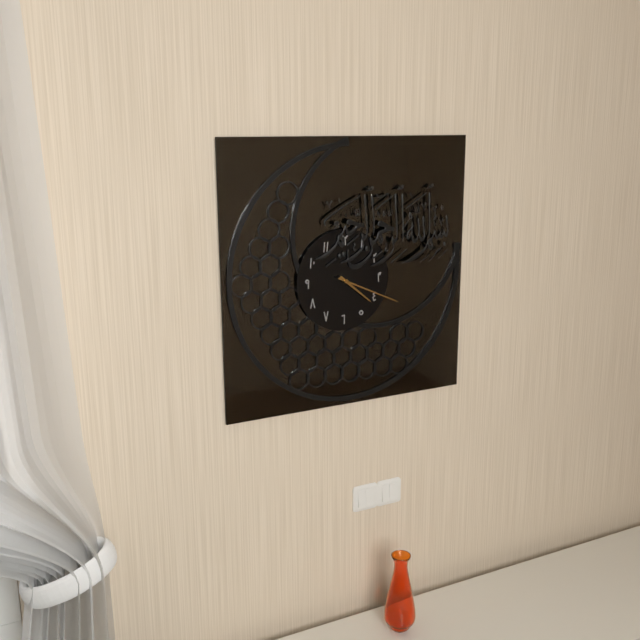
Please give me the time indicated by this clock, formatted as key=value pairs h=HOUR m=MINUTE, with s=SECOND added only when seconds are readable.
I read h=4 m=19
